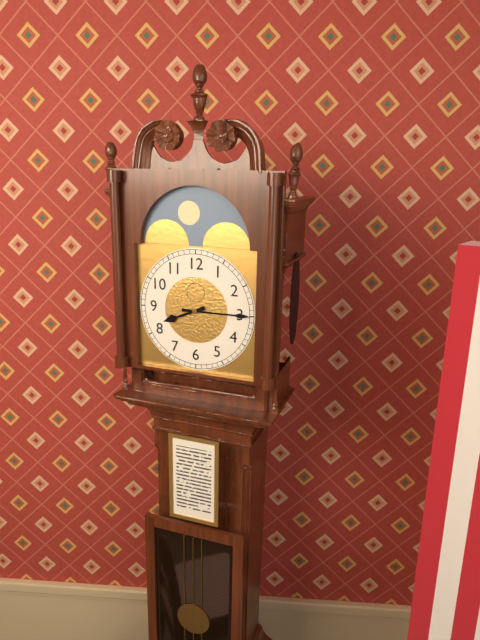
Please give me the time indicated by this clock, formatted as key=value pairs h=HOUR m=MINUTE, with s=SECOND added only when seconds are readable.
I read h=8 m=15
